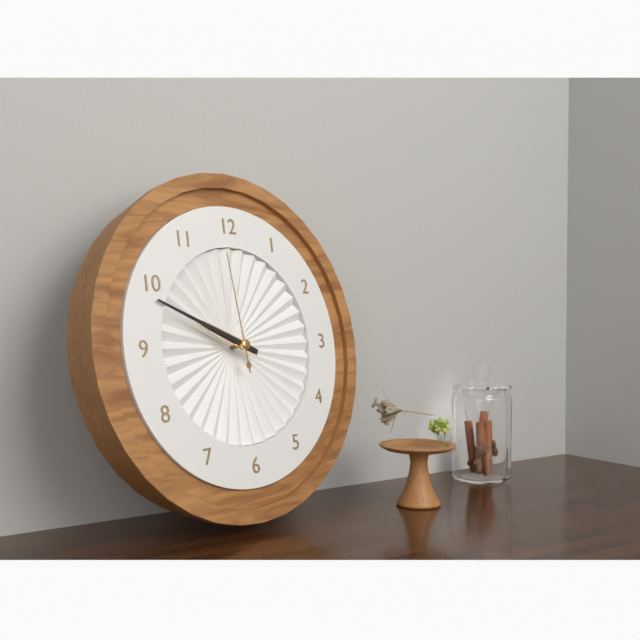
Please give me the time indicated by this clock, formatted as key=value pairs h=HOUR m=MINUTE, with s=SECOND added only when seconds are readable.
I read h=9 m=49 s=59
